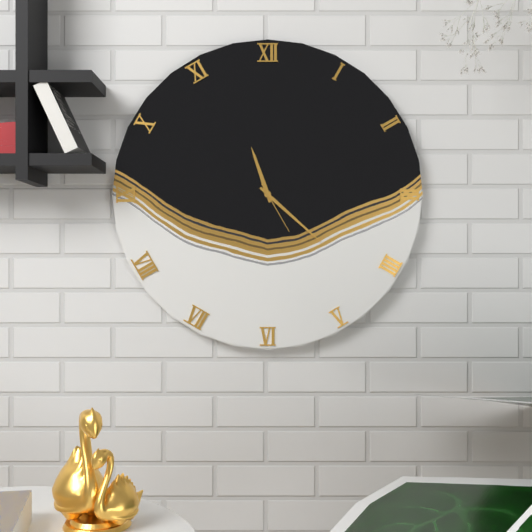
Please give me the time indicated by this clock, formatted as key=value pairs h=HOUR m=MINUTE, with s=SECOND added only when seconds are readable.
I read h=11 m=22 s=25
